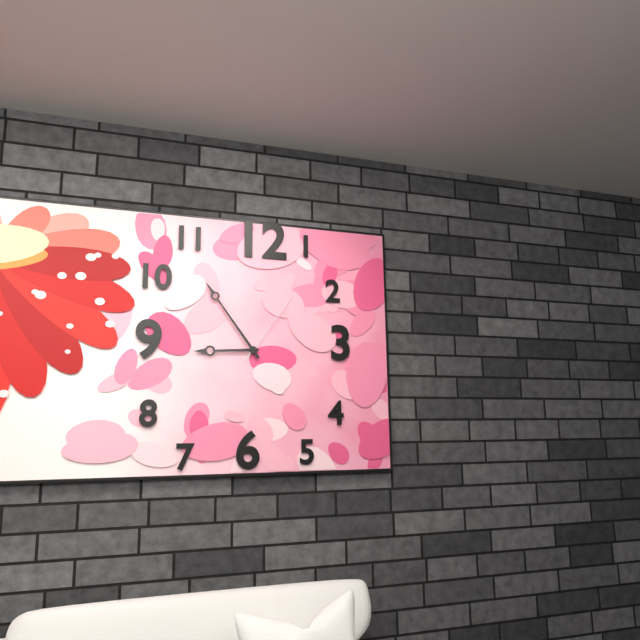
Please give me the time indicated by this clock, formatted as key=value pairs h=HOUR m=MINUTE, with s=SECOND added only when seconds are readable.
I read h=8 m=54 s=6
